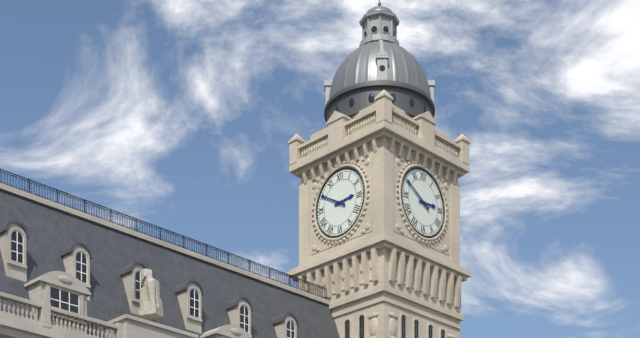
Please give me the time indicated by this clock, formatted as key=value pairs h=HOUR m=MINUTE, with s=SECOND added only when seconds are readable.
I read h=2 m=50
